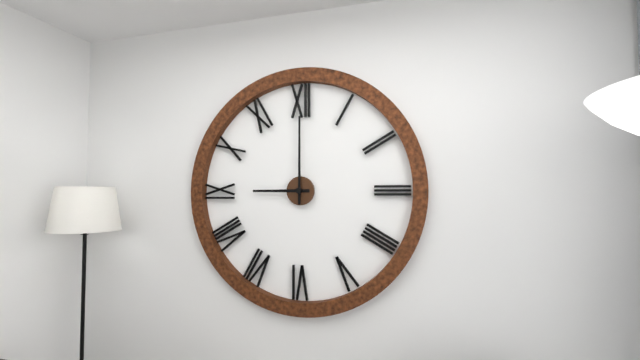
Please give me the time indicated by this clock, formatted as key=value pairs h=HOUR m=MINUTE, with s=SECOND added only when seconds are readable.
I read h=9 m=0
